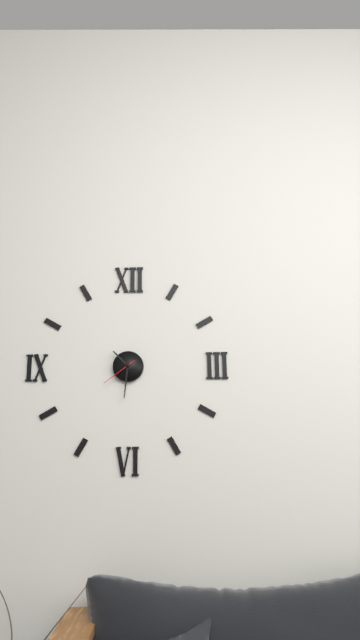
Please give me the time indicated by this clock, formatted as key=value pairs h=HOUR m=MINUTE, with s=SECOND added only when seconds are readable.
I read h=10 m=31
